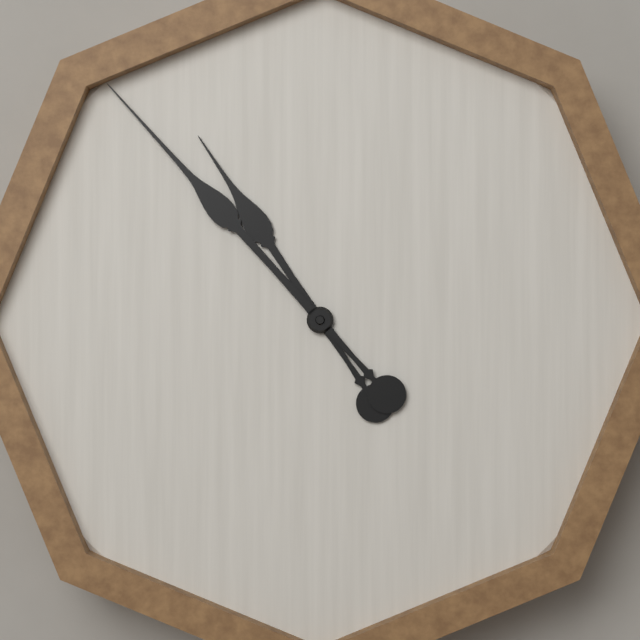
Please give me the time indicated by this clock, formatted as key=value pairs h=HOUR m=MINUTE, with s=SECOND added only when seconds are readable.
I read h=10 m=53
